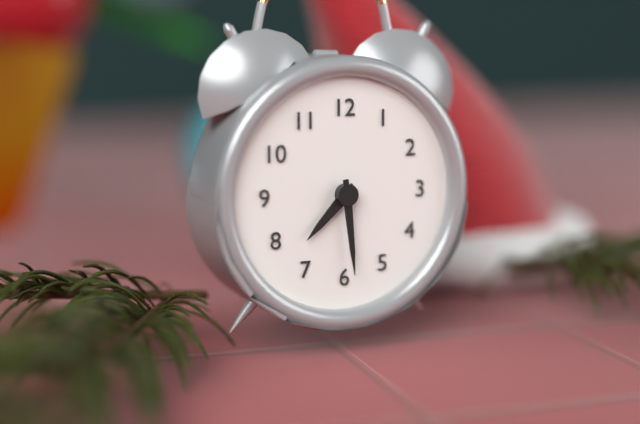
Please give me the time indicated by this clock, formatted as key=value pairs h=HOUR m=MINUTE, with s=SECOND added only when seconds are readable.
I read h=7 m=29
